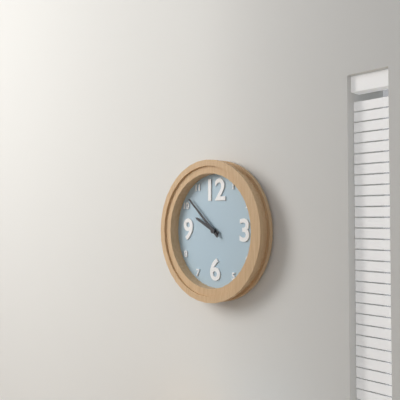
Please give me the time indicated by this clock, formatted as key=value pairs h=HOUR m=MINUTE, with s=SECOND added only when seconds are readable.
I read h=9 m=52
